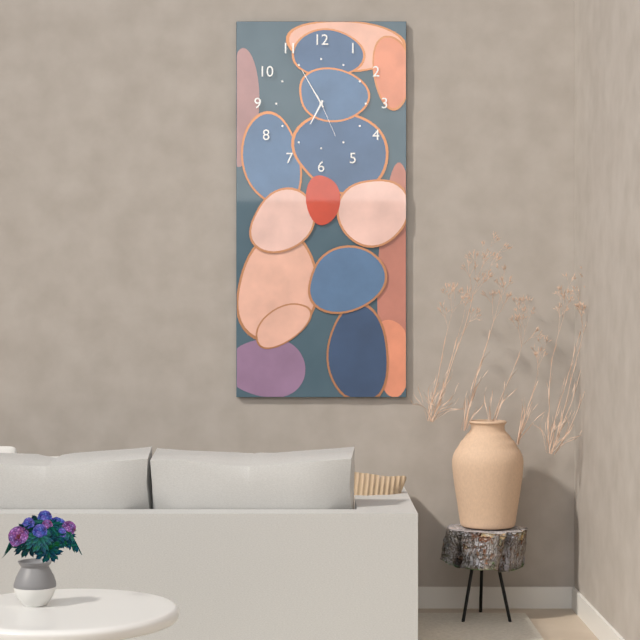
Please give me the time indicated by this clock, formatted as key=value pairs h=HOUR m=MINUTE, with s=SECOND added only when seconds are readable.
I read h=6 m=55
